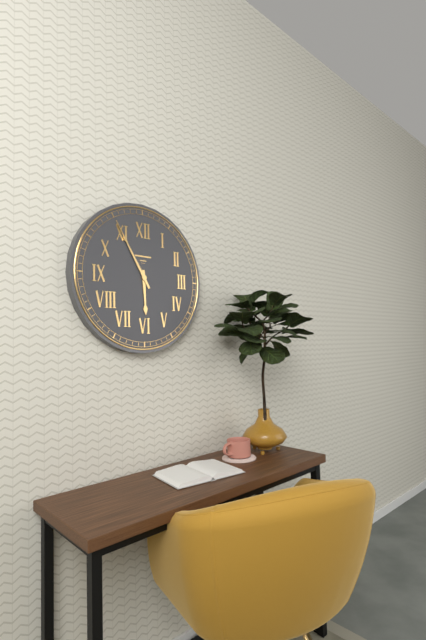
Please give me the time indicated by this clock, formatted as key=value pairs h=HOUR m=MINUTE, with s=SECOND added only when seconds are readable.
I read h=5 m=55
